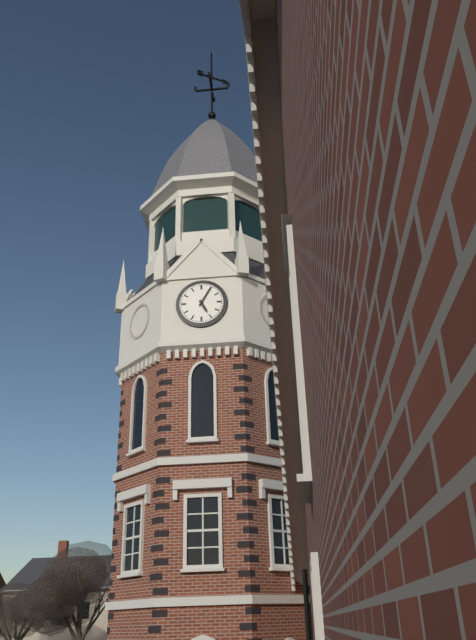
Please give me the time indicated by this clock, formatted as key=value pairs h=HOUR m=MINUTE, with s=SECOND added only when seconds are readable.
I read h=5 m=5
